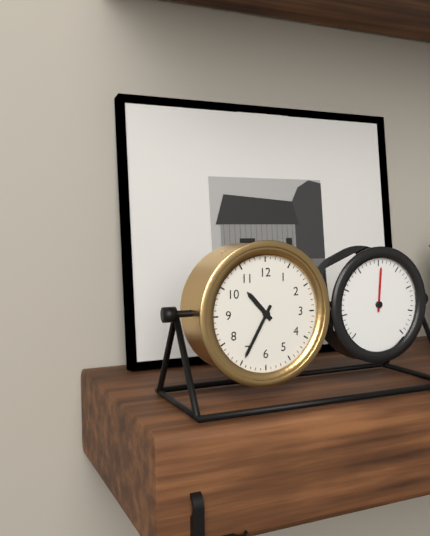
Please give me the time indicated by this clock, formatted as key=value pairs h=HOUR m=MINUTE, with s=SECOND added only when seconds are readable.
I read h=10 m=35
